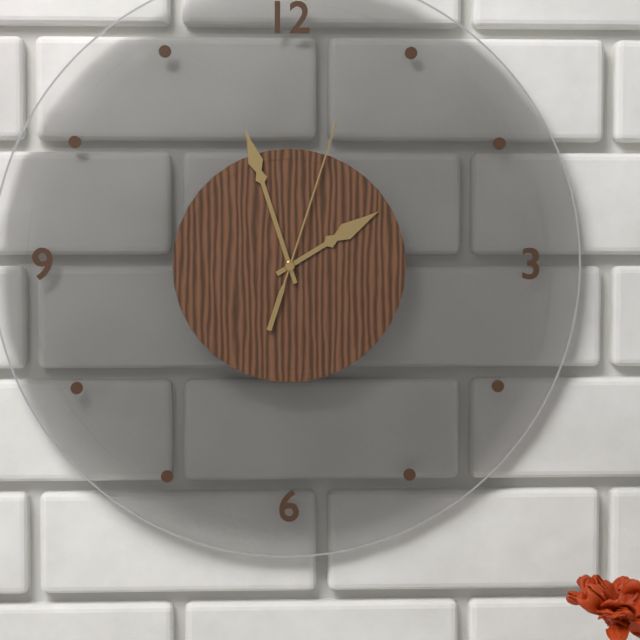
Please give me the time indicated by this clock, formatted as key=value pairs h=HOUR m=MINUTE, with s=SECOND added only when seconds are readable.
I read h=1 m=57 s=3
